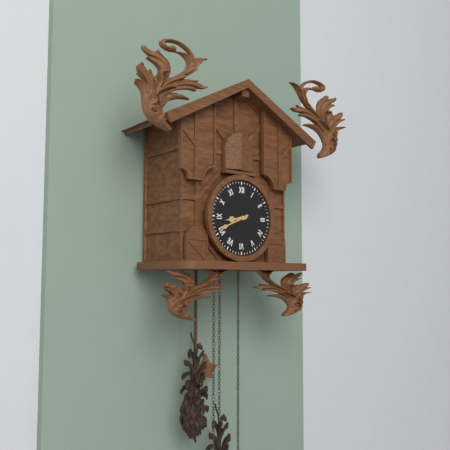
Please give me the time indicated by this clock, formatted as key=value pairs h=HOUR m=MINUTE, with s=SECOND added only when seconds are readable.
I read h=8 m=41
